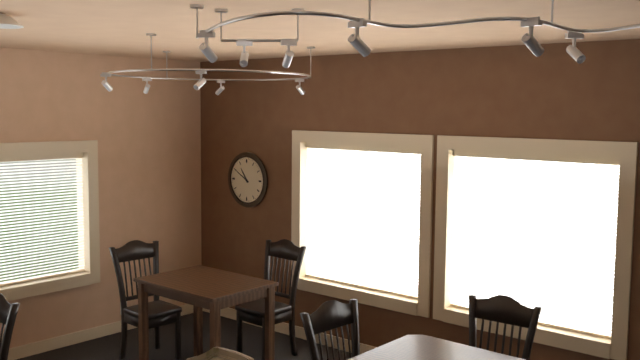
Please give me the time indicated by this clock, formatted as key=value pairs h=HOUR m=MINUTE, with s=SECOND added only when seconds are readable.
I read h=10 m=50
